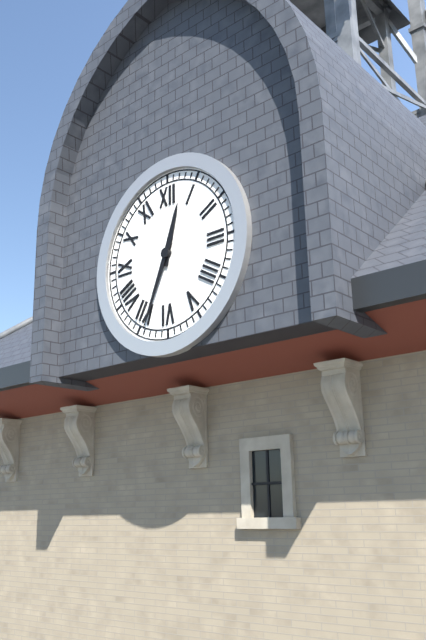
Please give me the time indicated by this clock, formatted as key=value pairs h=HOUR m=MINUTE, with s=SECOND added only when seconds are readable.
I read h=12 m=34
